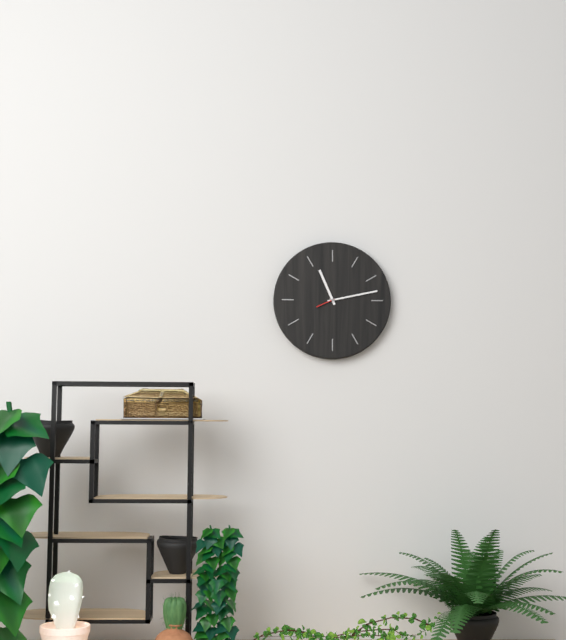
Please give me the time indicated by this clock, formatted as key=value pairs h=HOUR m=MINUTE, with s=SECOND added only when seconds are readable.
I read h=11 m=13
